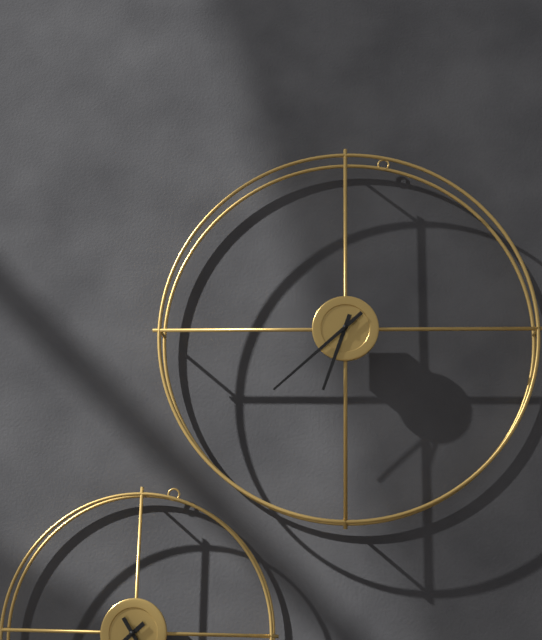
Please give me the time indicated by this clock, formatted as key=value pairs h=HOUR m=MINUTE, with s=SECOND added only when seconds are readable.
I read h=6 m=38
